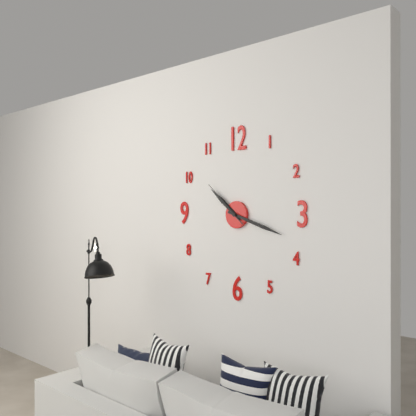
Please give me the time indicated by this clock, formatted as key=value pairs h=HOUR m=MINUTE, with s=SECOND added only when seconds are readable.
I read h=10 m=18
